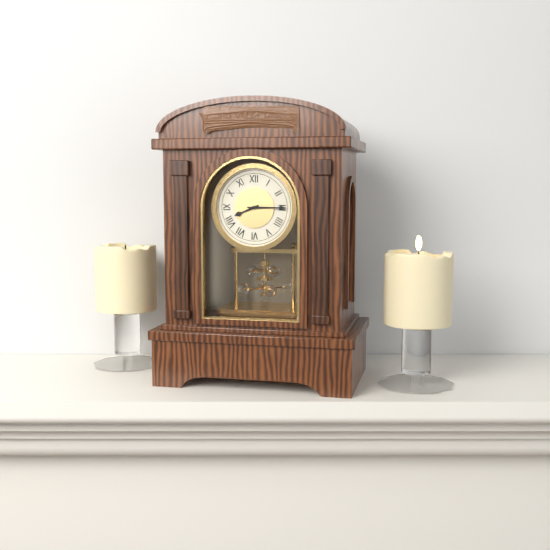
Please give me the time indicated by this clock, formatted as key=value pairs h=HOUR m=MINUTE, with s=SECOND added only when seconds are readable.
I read h=8 m=15
